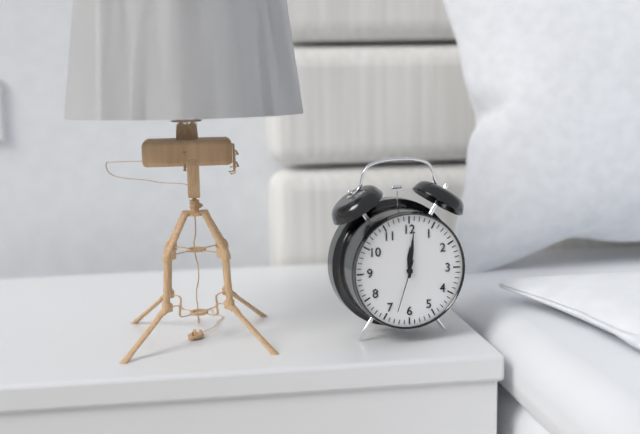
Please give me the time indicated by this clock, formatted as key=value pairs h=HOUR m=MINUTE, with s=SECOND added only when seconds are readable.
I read h=12 m=1 s=33
